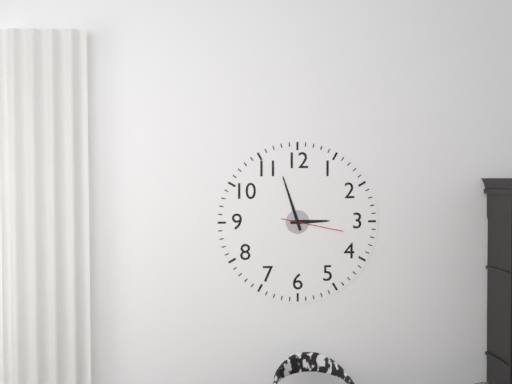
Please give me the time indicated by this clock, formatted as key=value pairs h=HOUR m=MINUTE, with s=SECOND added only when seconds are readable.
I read h=2 m=57 s=17
